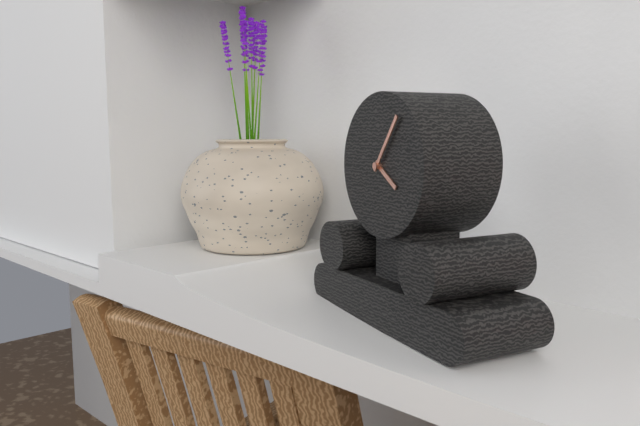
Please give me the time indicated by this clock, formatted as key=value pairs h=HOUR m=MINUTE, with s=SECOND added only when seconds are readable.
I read h=4 m=6
